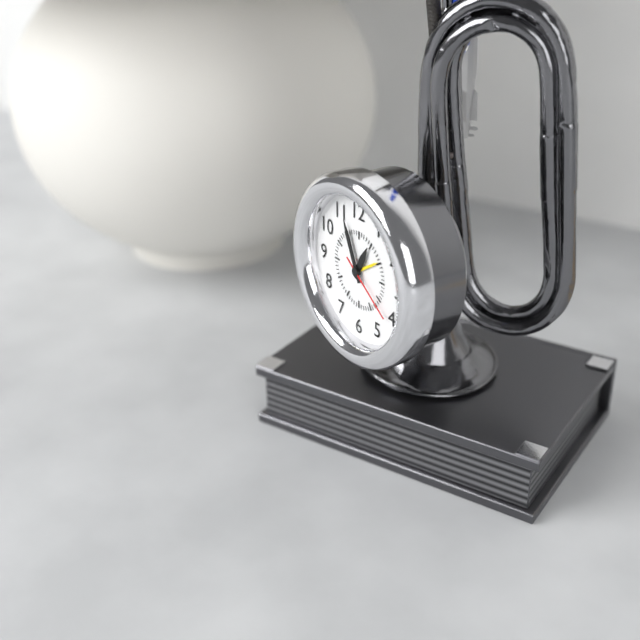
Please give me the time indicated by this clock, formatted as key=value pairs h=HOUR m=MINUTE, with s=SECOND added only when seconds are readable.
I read h=12 m=56 s=21
